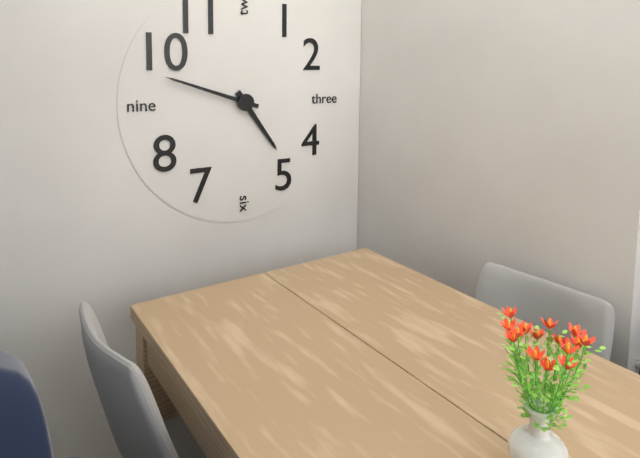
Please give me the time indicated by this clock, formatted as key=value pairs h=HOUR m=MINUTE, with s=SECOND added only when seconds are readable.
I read h=4 m=48
